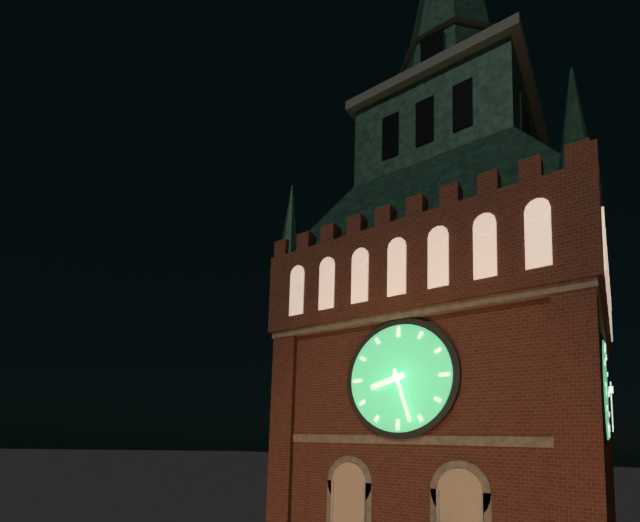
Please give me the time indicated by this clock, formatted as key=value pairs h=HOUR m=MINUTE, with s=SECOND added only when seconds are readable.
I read h=8 m=27
